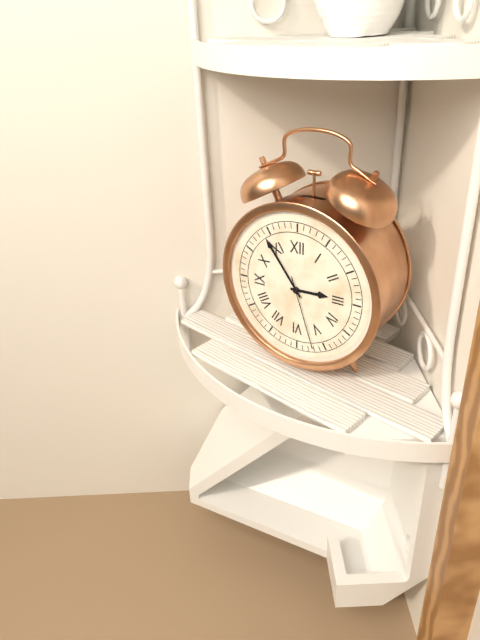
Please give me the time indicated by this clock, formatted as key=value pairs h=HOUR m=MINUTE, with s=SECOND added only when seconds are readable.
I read h=2 m=54 s=27
